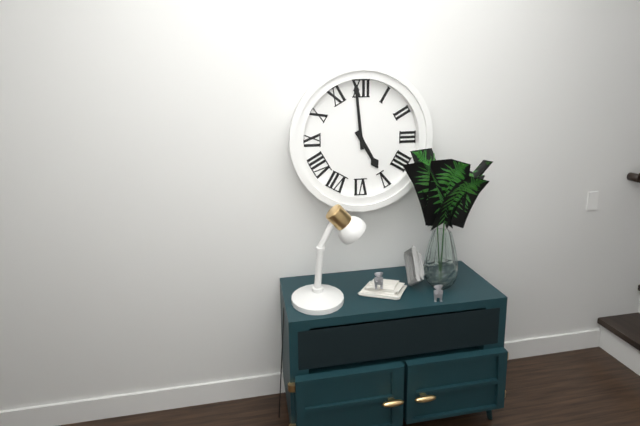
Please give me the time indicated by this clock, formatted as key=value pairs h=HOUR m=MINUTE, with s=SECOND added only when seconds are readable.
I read h=4 m=59
